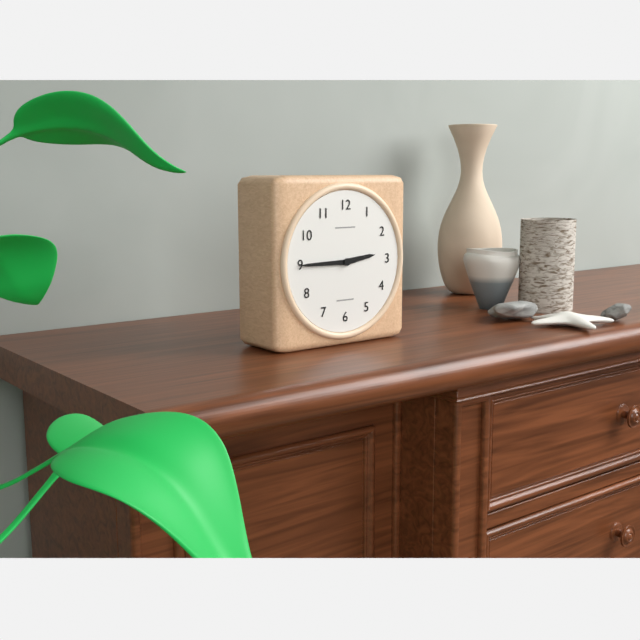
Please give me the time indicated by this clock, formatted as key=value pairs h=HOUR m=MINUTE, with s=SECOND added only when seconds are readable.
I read h=2 m=45
